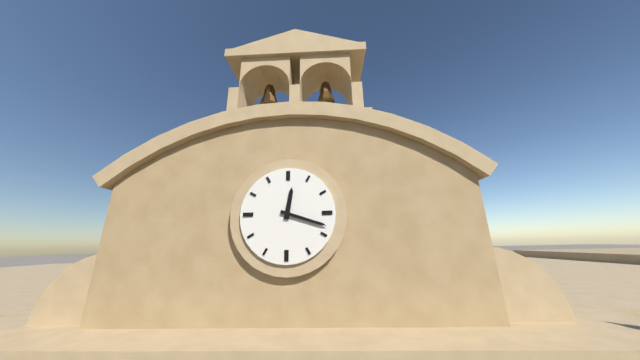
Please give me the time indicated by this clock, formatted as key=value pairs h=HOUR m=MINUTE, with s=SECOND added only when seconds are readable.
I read h=12 m=18
